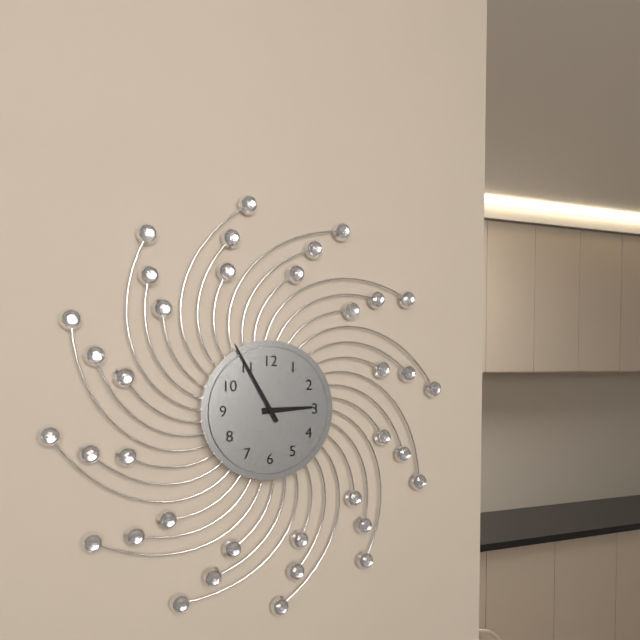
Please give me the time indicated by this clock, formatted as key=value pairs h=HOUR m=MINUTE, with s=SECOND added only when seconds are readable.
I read h=2 m=55
